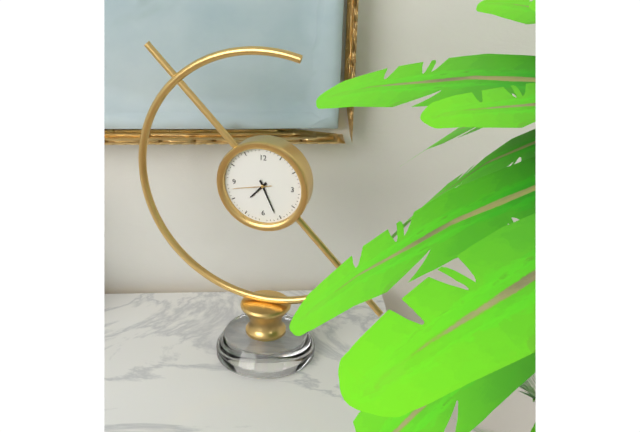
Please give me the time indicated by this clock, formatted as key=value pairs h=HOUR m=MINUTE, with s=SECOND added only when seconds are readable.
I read h=7 m=26
